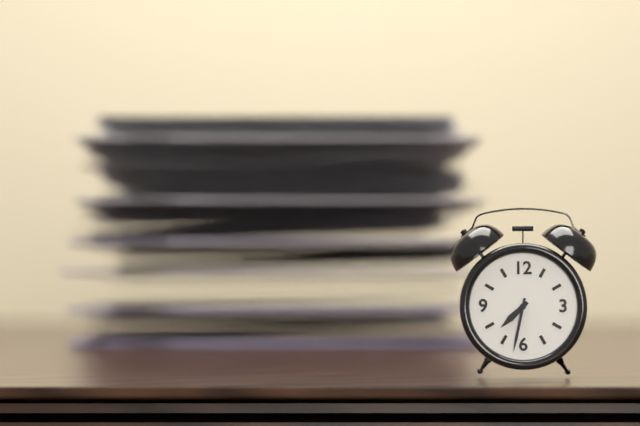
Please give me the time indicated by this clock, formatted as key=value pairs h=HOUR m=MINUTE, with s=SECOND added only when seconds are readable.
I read h=7 m=32
